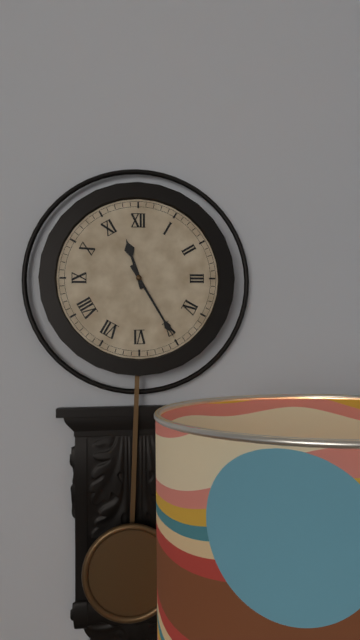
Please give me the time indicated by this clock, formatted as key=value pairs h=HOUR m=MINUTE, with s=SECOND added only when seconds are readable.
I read h=11 m=25
